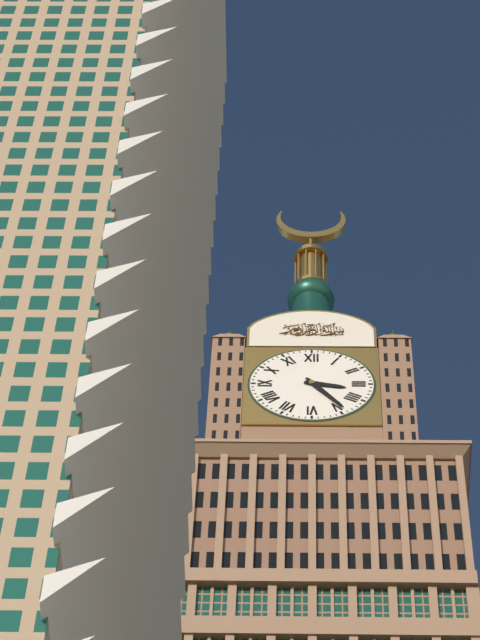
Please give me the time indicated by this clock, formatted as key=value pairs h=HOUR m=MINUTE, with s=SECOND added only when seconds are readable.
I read h=3 m=24
